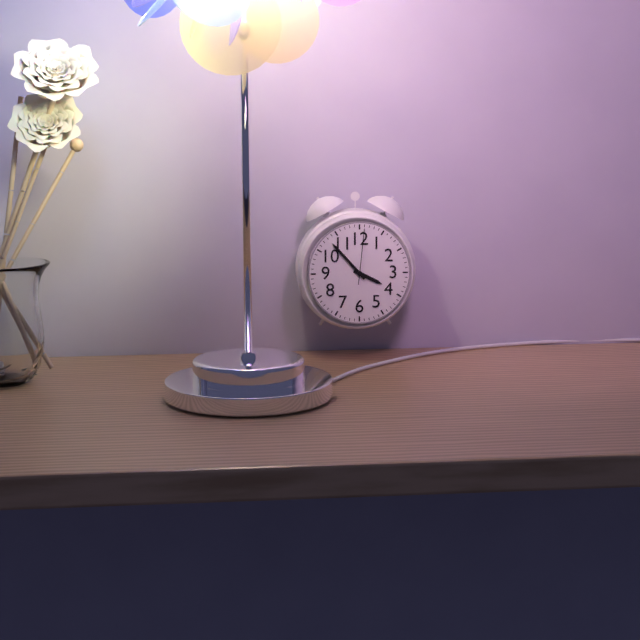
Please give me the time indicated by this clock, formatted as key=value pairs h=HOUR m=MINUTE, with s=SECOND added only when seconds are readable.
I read h=3 m=53 s=1
